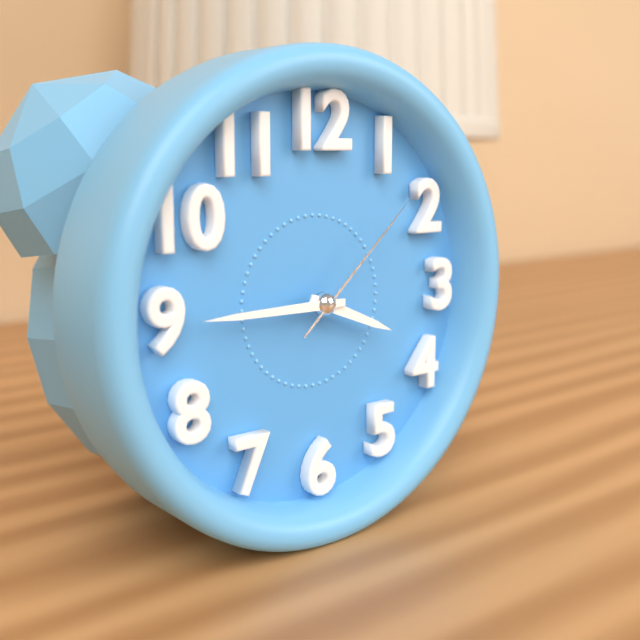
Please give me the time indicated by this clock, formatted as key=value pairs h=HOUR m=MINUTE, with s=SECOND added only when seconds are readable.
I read h=3 m=45 s=8
